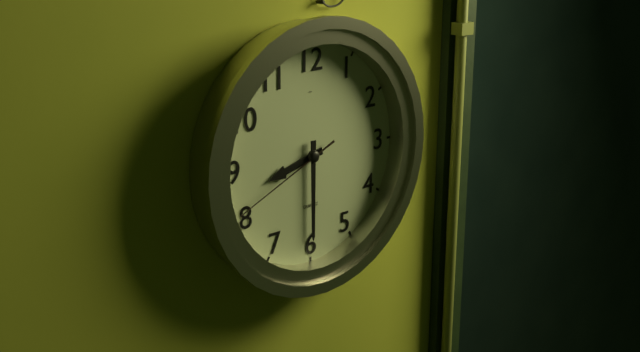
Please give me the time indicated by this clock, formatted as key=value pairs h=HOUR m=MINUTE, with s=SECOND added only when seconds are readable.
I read h=8 m=30 s=41
